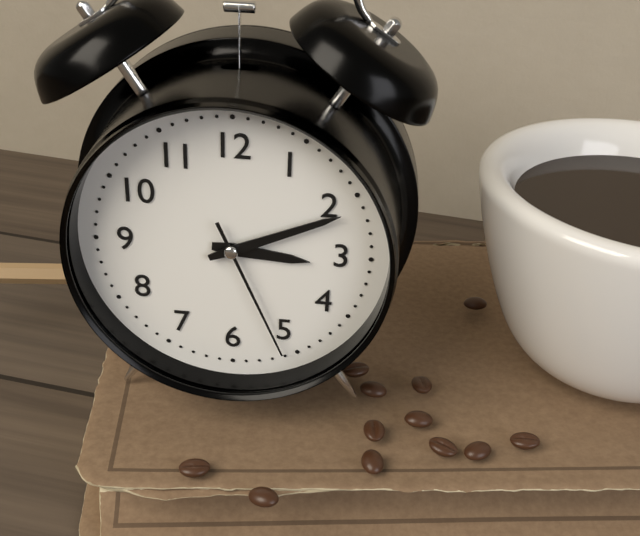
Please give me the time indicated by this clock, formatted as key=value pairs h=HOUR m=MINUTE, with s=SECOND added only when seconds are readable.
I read h=3 m=11 s=26
